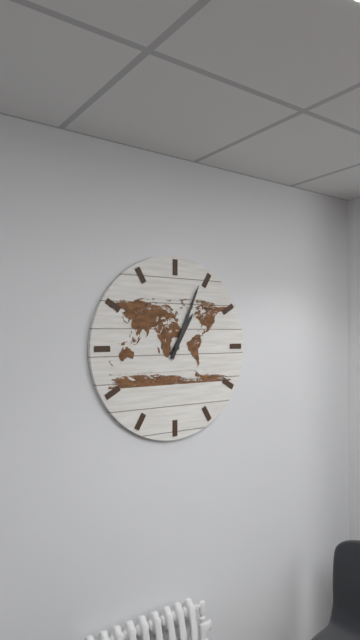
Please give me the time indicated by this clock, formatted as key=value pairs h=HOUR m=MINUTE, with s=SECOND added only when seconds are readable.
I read h=1 m=4
